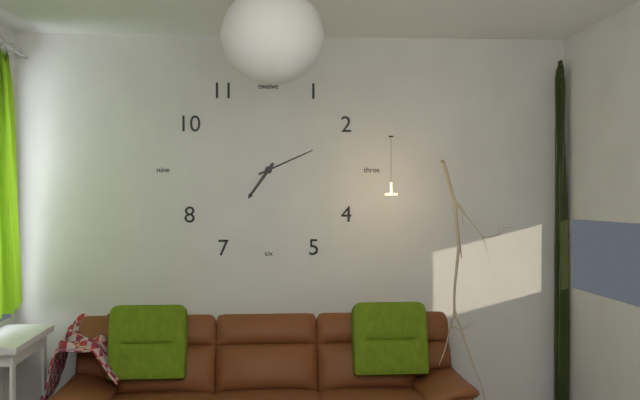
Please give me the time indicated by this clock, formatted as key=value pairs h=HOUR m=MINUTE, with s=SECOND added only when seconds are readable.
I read h=7 m=11
